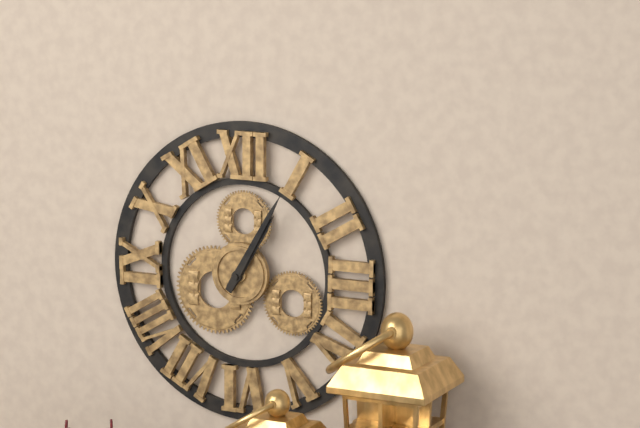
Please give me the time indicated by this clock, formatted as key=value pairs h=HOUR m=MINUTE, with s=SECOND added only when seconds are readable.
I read h=1 m=5
